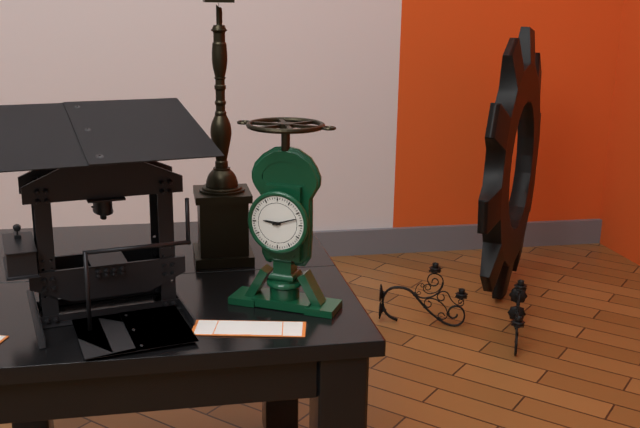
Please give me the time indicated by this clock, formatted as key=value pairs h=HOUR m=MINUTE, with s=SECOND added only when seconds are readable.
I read h=9 m=12
